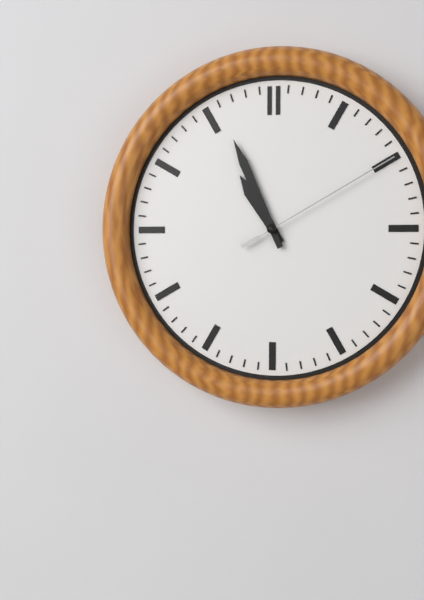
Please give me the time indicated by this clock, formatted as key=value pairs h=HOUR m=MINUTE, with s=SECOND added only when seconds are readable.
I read h=10 m=56 s=10
